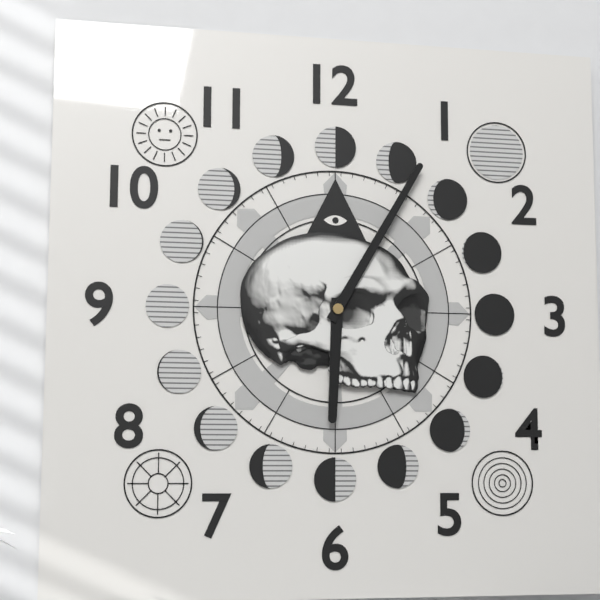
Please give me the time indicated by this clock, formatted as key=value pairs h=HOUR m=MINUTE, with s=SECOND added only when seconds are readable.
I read h=6 m=5
